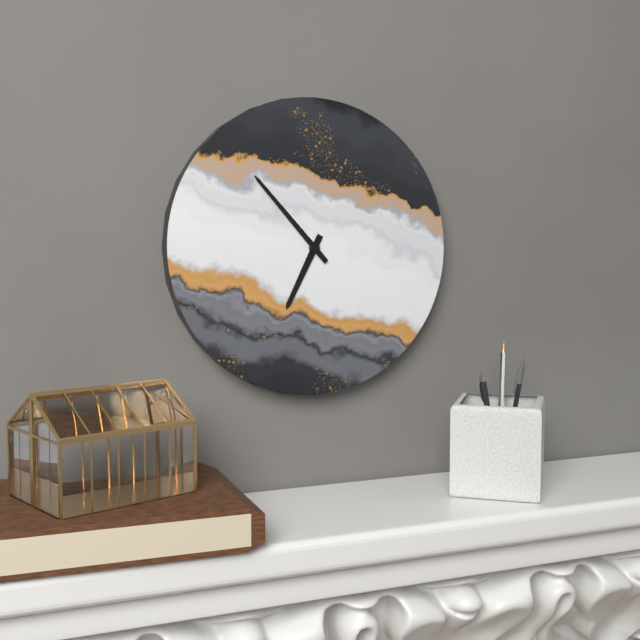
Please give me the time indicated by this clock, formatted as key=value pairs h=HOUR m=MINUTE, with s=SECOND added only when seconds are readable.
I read h=6 m=53
